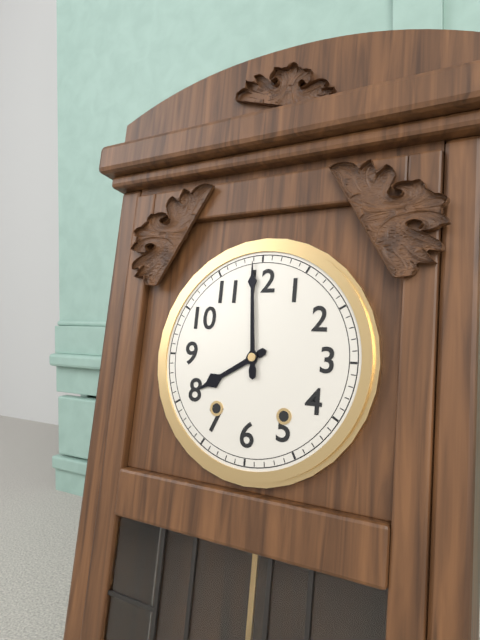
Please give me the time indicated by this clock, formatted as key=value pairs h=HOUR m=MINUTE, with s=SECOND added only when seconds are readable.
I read h=7 m=59
